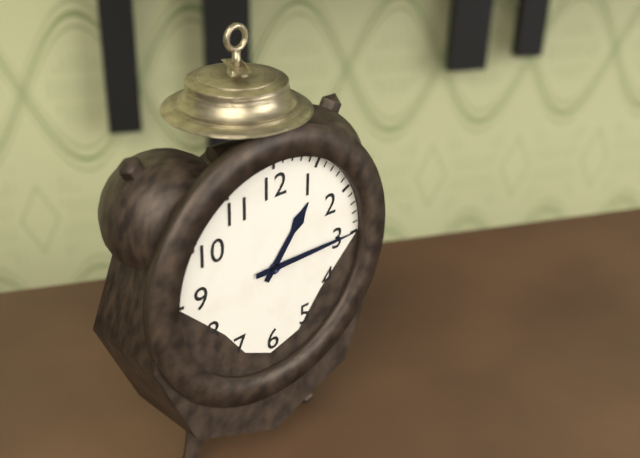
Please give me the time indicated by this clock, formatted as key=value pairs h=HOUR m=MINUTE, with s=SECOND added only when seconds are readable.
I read h=1 m=15
